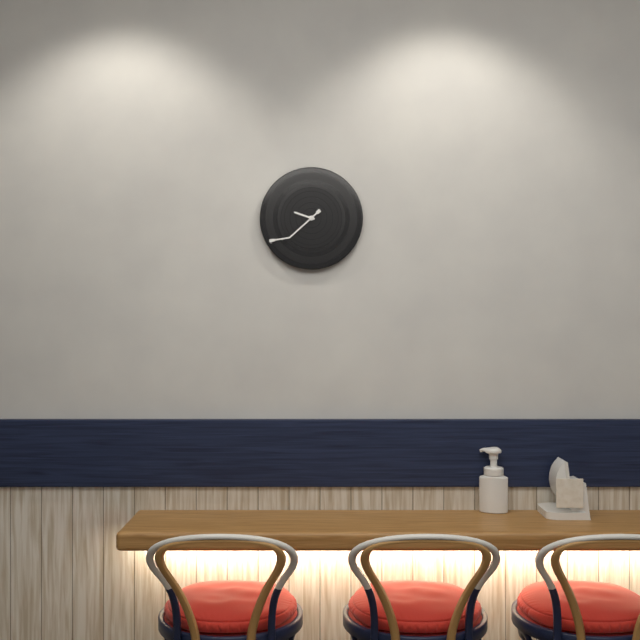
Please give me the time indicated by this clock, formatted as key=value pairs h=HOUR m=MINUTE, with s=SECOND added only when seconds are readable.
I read h=9 m=38
